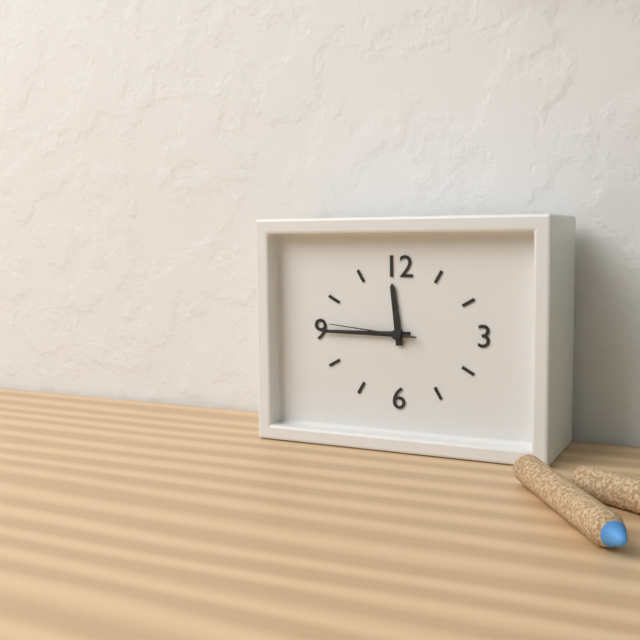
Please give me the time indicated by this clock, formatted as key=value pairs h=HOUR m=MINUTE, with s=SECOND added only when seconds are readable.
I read h=11 m=45 s=46
